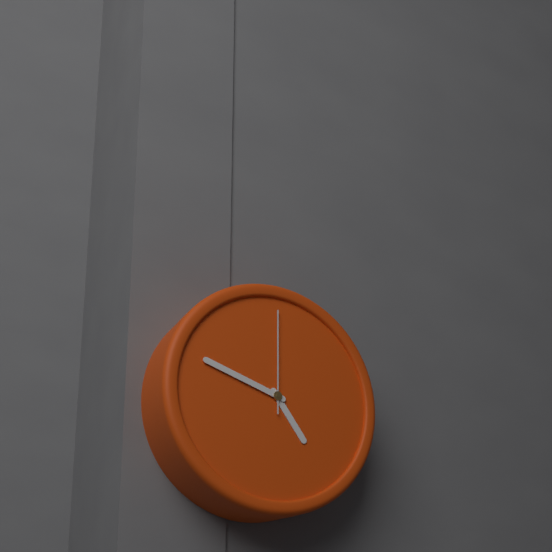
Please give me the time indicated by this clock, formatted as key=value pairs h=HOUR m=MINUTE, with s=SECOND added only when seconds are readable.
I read h=4 m=48 s=0
